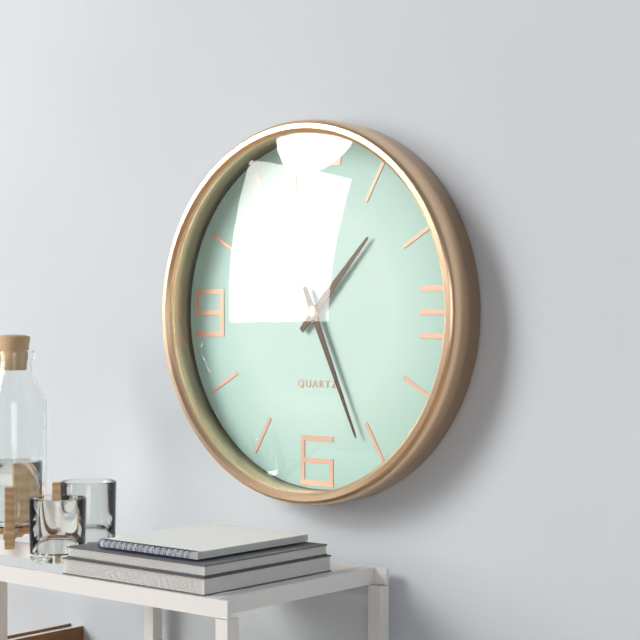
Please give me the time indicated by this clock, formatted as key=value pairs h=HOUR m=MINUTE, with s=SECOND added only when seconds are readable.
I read h=1 m=26
